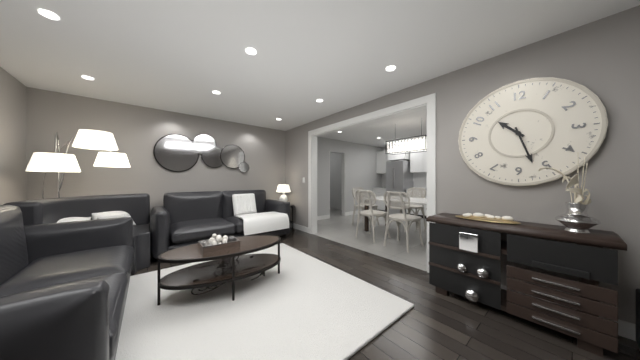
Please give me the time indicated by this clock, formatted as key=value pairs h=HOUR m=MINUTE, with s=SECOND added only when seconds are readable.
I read h=10 m=27
